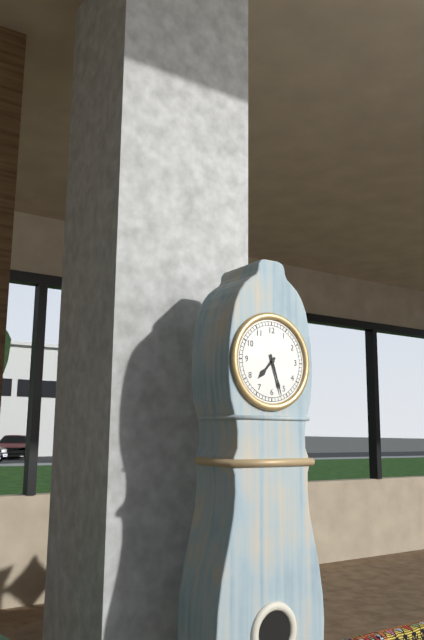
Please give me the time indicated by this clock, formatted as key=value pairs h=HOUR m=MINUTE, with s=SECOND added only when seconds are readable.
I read h=7 m=27
